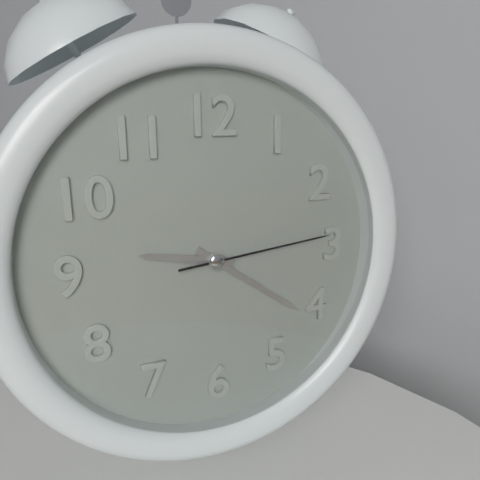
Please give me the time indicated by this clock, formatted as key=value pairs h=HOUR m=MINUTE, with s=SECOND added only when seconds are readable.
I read h=9 m=21 s=14
